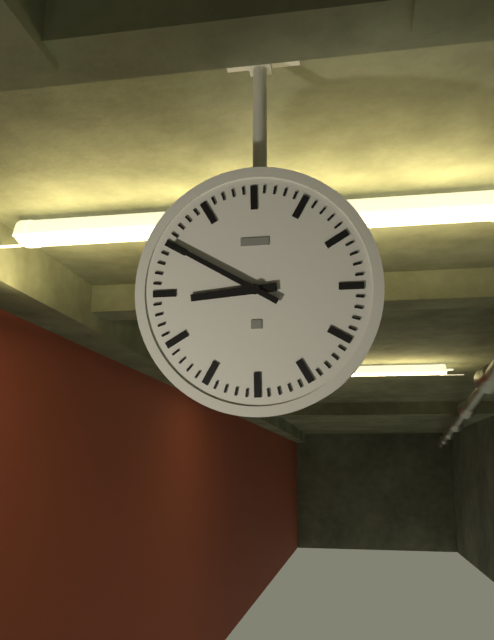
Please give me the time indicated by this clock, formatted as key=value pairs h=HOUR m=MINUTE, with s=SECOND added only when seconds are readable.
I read h=8 m=50
